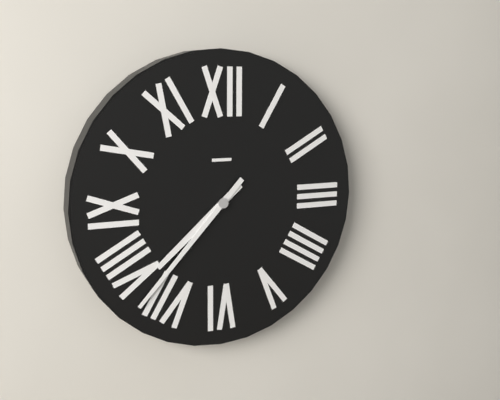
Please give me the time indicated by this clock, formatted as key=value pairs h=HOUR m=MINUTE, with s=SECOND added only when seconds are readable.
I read h=7 m=37
